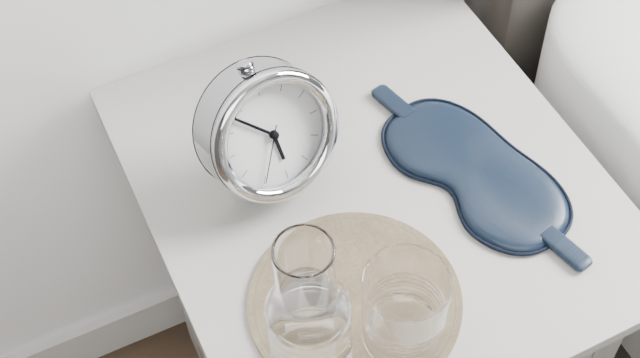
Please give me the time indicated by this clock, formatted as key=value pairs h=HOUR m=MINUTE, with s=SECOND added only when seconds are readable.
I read h=5 m=53 s=35
